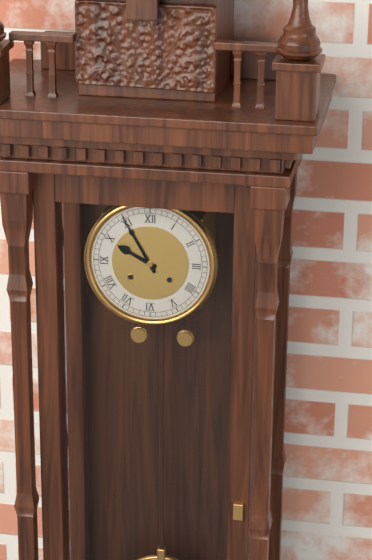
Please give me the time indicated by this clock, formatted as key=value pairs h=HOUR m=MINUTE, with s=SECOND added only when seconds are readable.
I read h=9 m=55
